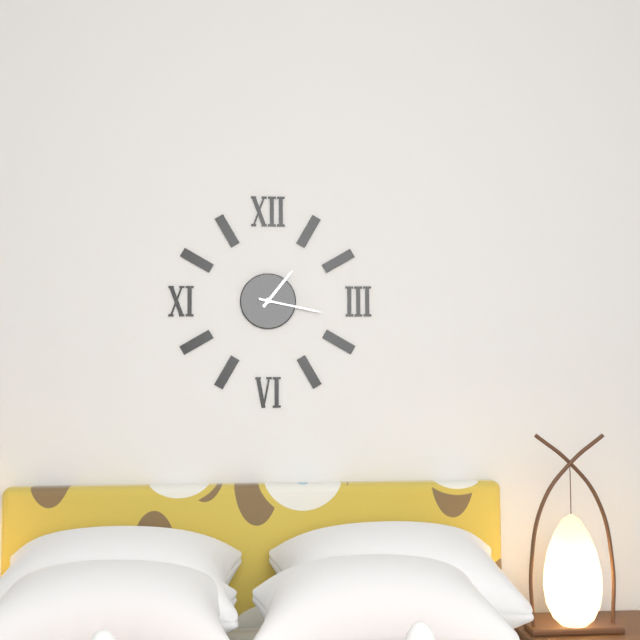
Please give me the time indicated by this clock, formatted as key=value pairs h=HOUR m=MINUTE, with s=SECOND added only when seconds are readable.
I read h=1 m=17
